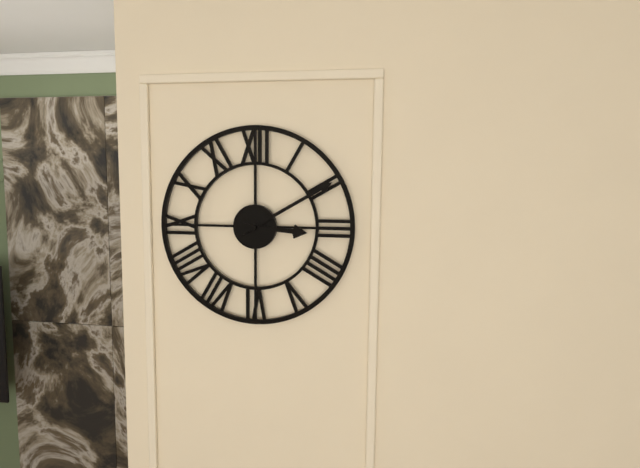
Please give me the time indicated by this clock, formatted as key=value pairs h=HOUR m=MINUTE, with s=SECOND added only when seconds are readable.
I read h=3 m=10
